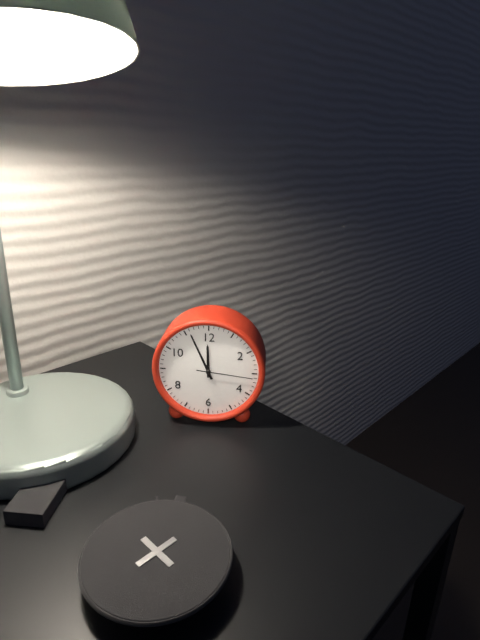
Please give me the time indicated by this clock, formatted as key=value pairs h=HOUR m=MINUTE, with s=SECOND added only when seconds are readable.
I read h=11 m=56 s=16
